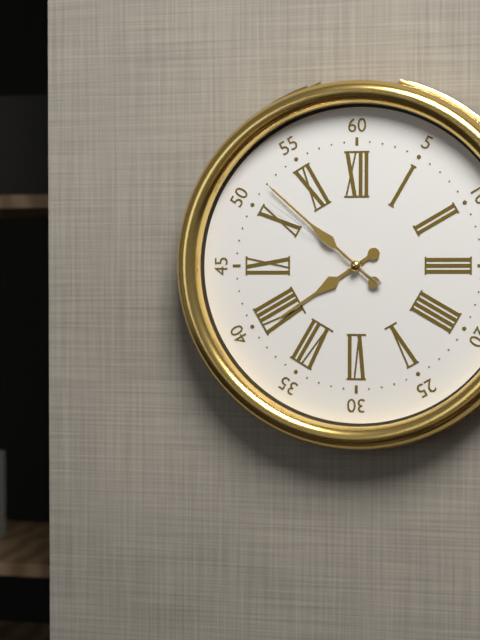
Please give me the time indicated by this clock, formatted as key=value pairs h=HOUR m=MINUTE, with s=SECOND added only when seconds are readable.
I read h=7 m=52 s=51
